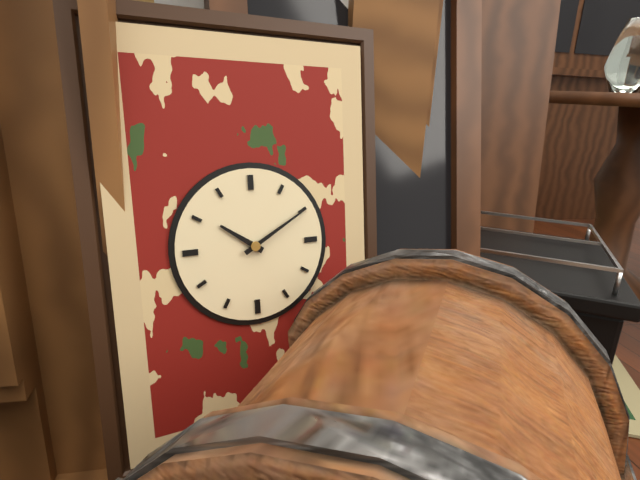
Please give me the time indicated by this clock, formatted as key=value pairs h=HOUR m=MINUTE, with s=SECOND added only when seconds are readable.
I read h=10 m=10
